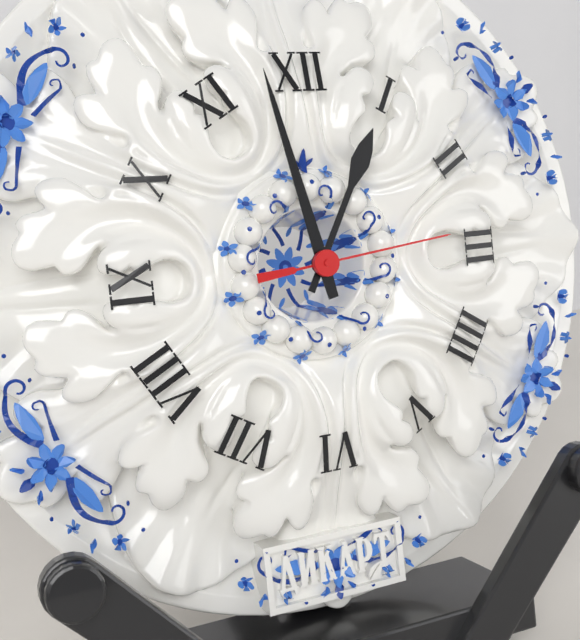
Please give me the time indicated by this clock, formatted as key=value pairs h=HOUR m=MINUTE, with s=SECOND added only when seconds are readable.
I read h=12 m=58 s=14
